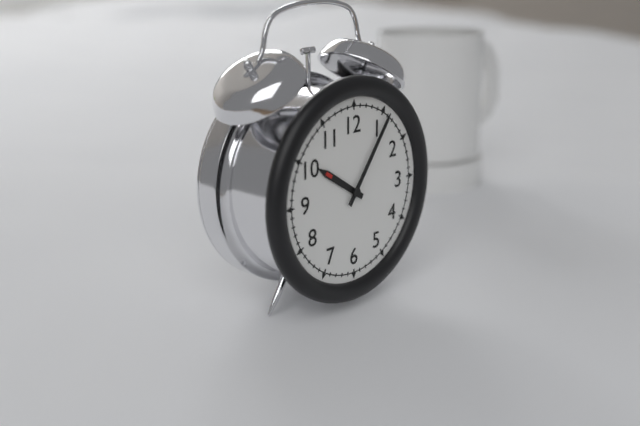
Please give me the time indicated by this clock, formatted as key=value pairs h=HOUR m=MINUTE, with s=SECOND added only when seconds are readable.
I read h=10 m=6
